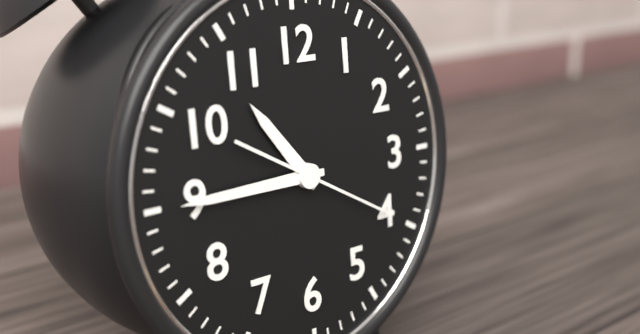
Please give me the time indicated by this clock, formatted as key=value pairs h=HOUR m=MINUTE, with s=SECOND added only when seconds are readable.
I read h=10 m=45 s=20
